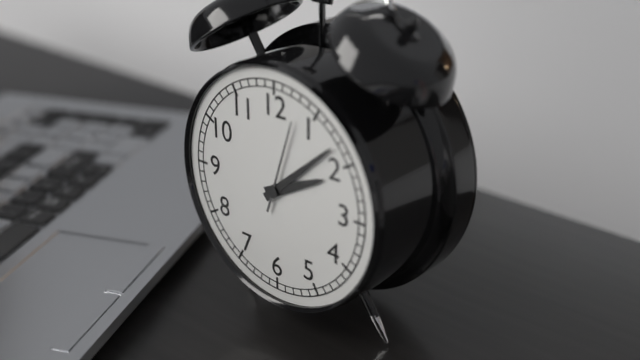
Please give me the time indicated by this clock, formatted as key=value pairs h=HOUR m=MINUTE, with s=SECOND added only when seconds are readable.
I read h=2 m=8 s=3
